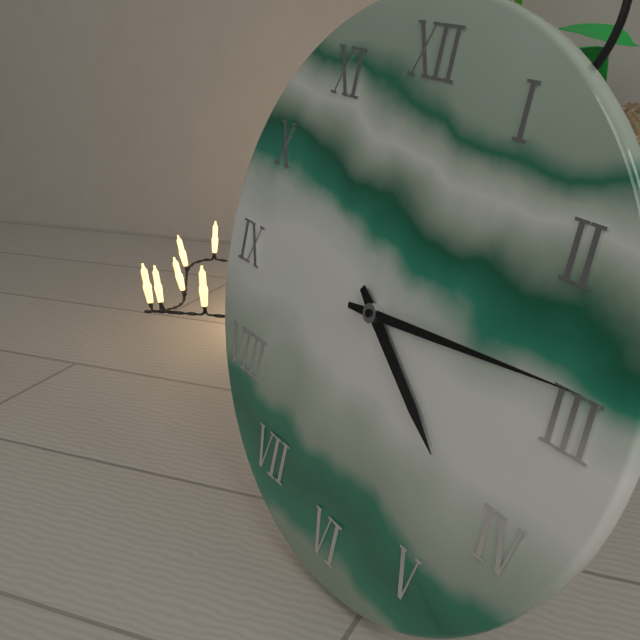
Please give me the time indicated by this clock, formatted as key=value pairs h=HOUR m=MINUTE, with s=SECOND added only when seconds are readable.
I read h=4 m=14
